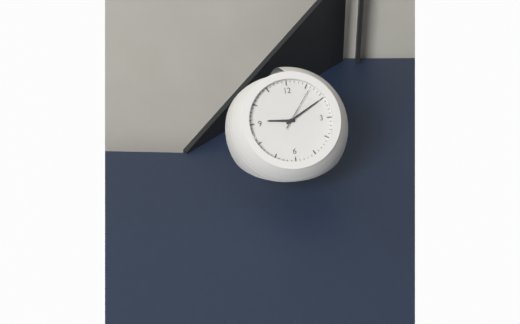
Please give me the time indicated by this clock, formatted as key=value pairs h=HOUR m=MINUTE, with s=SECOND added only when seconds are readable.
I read h=9 m=10
